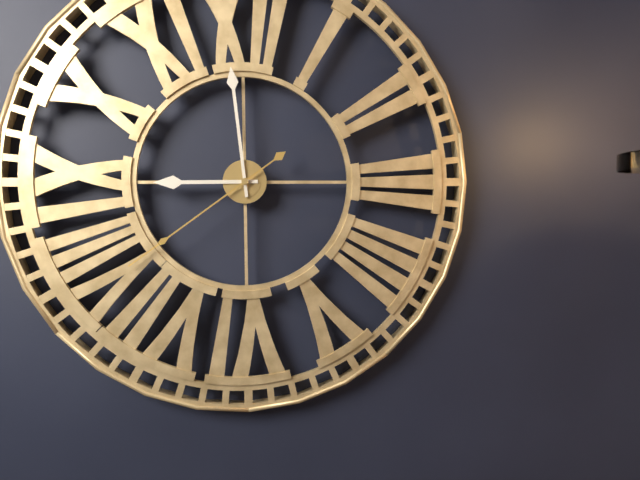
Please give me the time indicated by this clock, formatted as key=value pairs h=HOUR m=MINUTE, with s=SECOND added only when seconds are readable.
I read h=8 m=59 s=39
